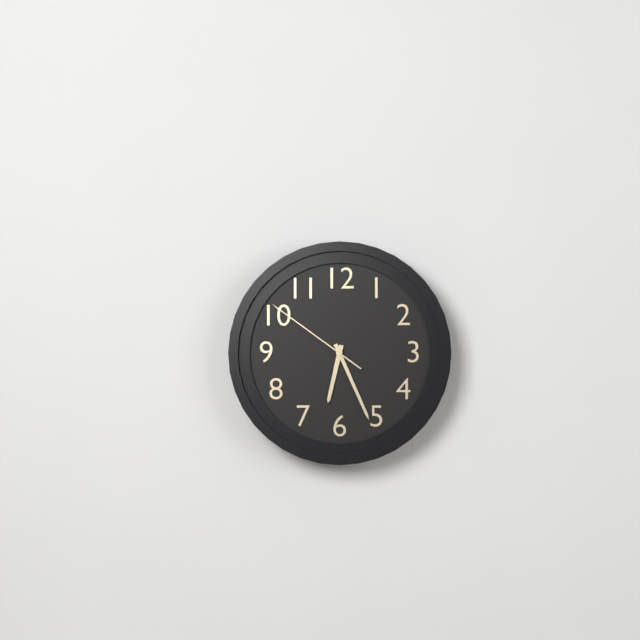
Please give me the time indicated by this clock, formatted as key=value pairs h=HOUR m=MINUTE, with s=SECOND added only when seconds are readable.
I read h=6 m=26 s=51
